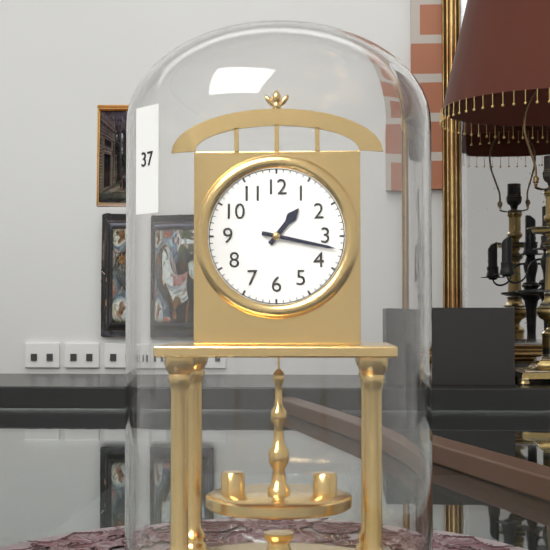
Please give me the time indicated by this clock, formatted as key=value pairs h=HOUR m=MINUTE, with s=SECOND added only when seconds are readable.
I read h=1 m=17
